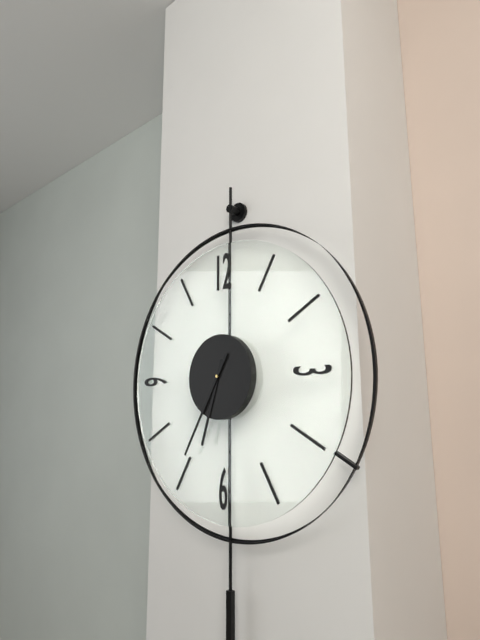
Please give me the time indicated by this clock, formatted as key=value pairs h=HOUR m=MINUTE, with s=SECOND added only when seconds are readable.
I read h=6 m=35
